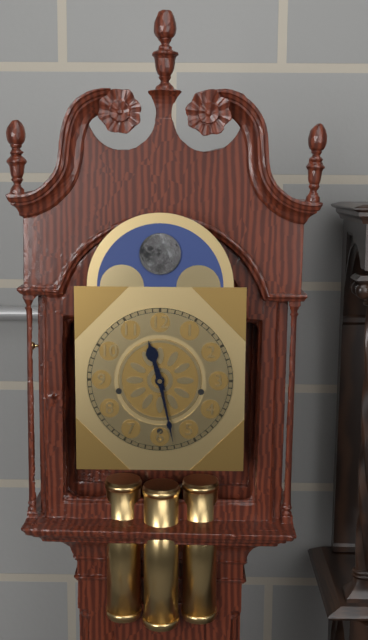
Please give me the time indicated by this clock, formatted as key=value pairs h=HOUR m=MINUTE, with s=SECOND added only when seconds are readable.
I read h=11 m=28
